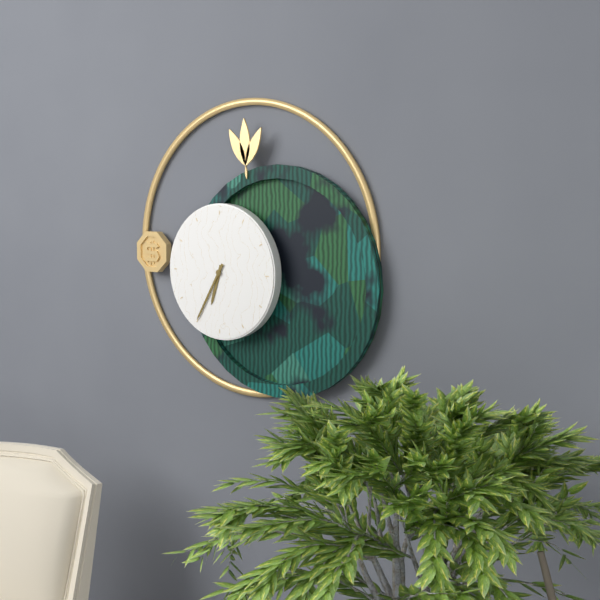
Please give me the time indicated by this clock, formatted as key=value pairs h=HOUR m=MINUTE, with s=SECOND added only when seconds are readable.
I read h=6 m=35
